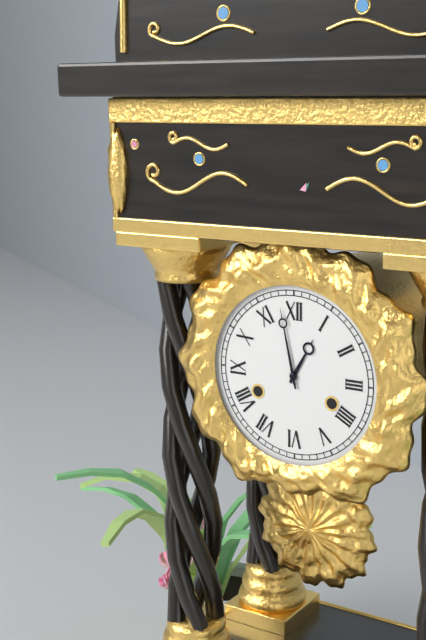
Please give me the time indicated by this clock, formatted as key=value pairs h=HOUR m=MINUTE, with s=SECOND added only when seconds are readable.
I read h=12 m=58
